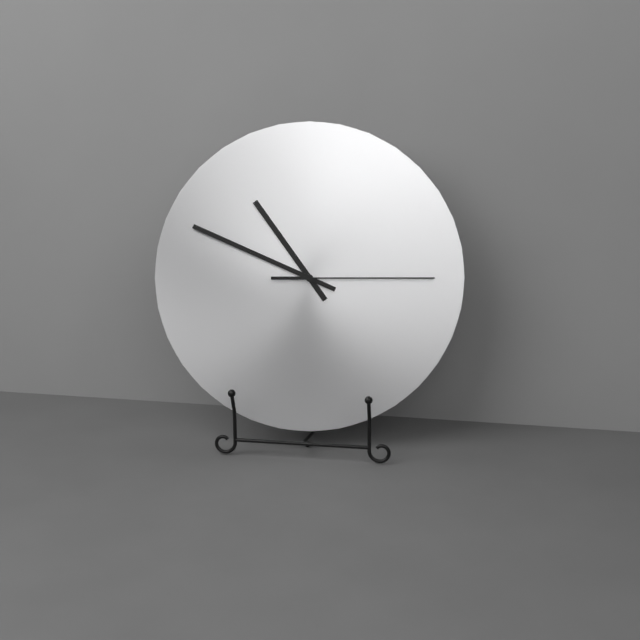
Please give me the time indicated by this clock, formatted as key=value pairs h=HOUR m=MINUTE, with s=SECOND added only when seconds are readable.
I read h=10 m=49 s=15
